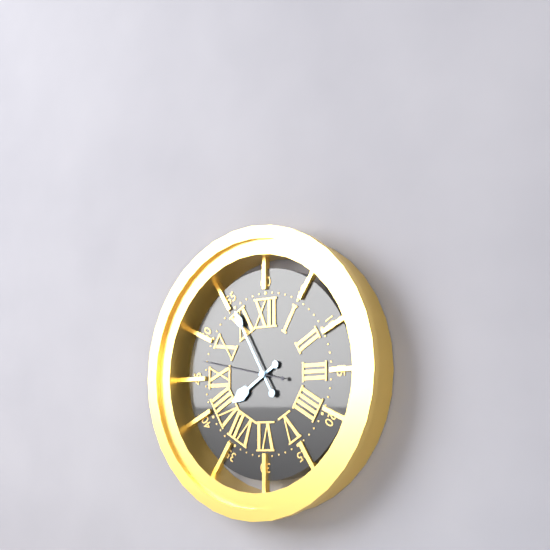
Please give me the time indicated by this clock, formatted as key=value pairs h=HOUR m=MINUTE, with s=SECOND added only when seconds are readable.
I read h=7 m=55 s=47
